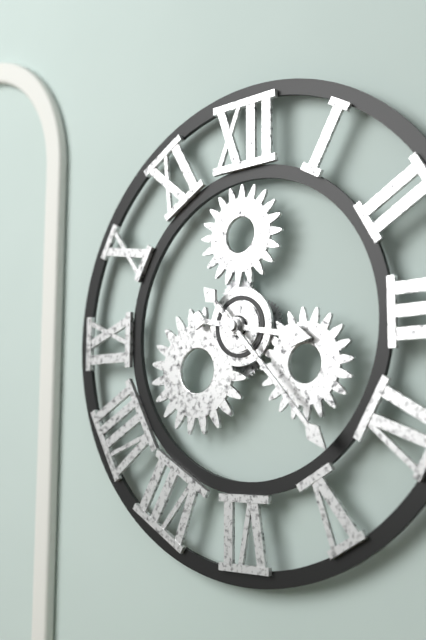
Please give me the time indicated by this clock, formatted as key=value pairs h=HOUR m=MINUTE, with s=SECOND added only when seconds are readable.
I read h=3 m=23
